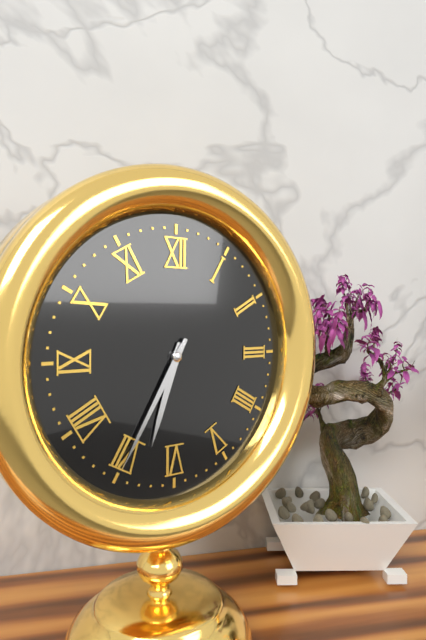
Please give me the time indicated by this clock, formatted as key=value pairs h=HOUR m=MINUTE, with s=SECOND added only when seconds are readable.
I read h=6 m=35
